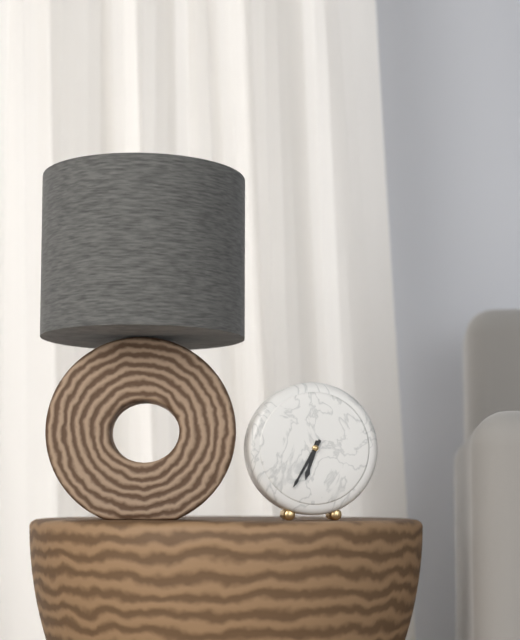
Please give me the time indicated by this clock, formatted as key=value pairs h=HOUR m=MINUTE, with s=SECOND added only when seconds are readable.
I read h=6 m=35
